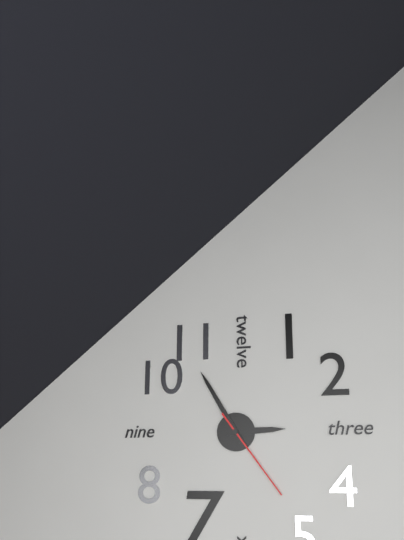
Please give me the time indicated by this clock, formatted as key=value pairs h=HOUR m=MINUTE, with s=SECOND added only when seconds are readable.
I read h=2 m=55 s=24
